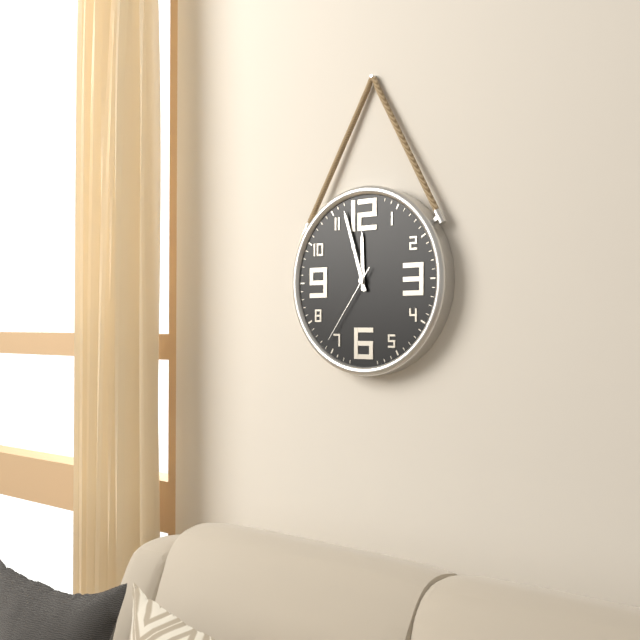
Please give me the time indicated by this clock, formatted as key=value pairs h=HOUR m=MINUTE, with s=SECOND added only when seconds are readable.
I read h=11 m=57 s=36
